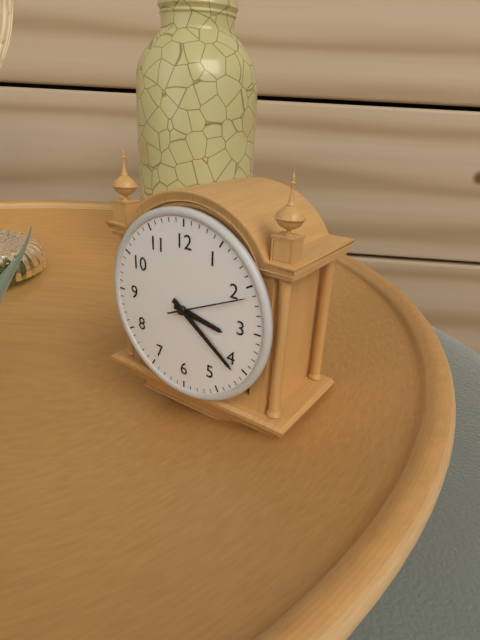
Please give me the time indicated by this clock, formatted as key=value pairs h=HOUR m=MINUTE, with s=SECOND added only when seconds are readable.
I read h=3 m=21 s=11
